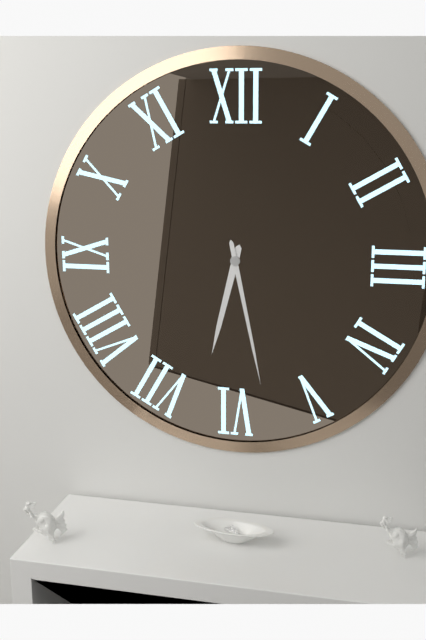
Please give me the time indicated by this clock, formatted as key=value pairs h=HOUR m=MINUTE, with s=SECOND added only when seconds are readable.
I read h=6 m=28
